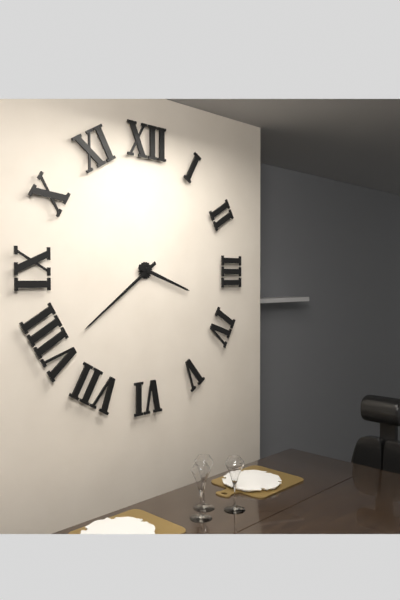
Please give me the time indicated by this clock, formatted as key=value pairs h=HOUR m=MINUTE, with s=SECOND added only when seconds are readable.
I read h=3 m=39
